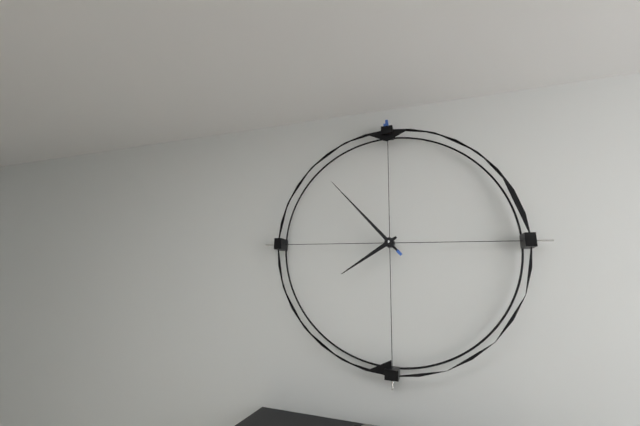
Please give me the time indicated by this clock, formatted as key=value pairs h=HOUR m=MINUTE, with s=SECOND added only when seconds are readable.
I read h=7 m=53
